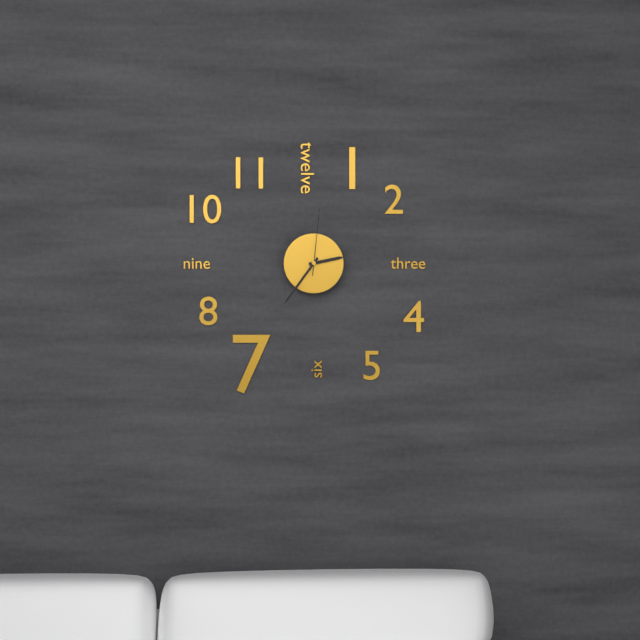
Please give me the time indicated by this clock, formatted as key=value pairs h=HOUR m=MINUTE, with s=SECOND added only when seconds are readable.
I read h=2 m=36 s=1
